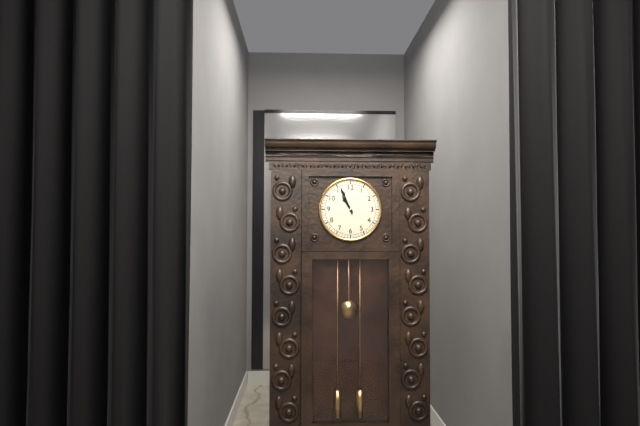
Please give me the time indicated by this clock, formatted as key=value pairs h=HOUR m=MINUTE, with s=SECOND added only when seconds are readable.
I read h=10 m=56
